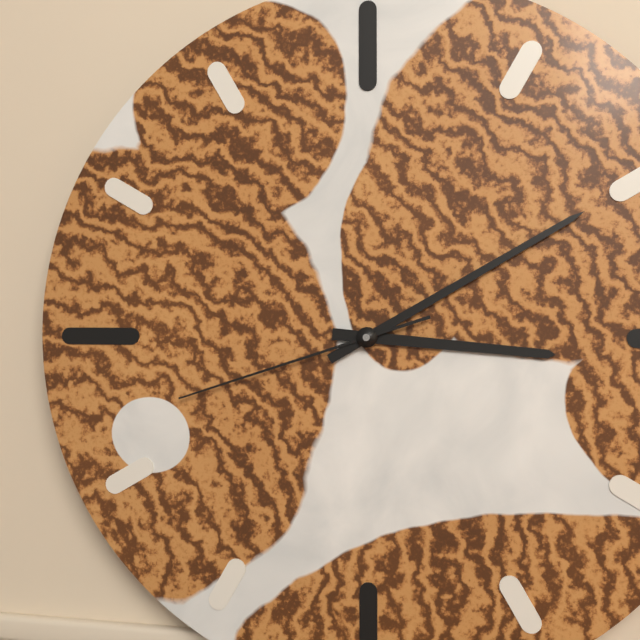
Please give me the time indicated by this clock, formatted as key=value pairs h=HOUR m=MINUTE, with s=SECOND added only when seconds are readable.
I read h=3 m=10 s=42
